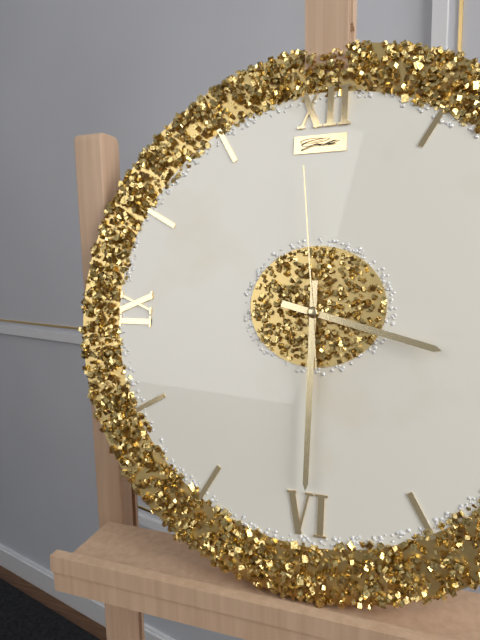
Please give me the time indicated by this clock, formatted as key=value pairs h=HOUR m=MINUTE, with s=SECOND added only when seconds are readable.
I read h=3 m=30 s=59
